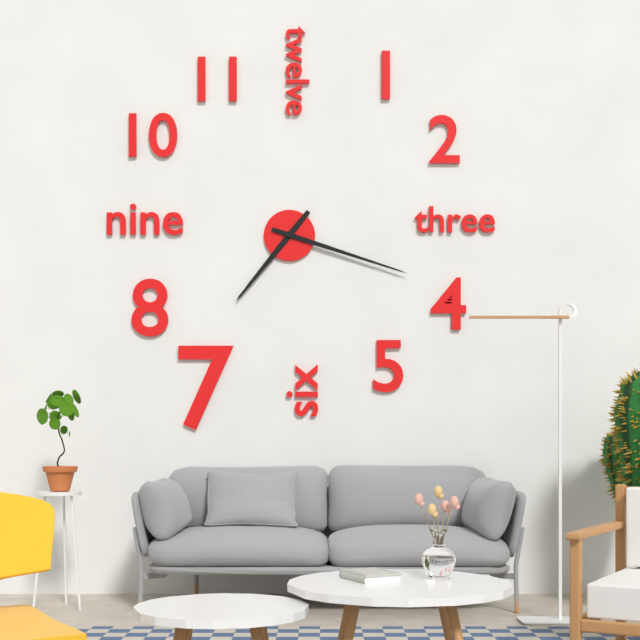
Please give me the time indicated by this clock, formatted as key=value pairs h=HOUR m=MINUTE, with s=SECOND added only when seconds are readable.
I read h=7 m=18
